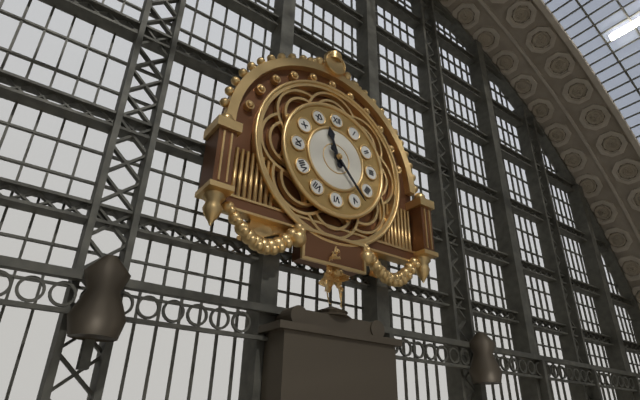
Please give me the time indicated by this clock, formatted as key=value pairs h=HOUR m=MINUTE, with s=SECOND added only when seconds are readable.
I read h=11 m=23
